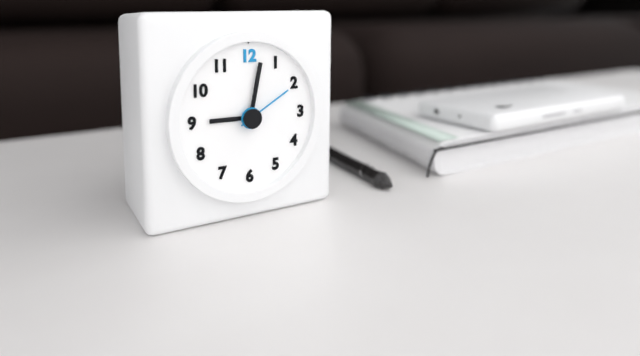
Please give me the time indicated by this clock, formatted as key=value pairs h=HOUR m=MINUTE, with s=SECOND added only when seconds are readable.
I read h=9 m=2 s=10
